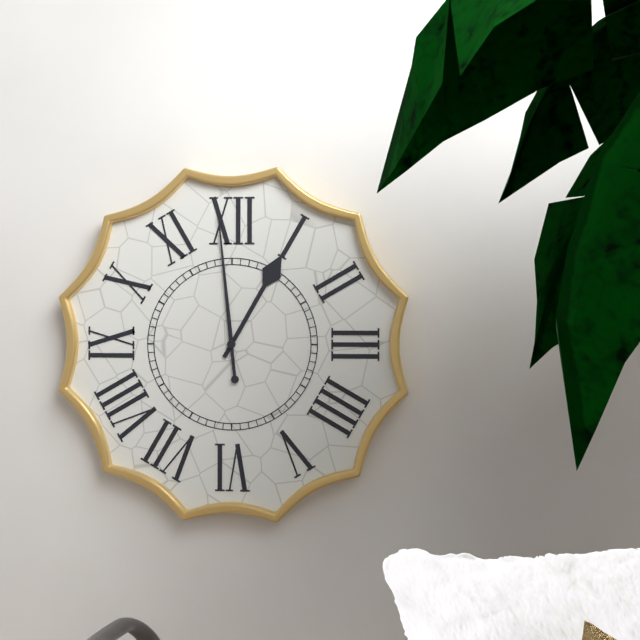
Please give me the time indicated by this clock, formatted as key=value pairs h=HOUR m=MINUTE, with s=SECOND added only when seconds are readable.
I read h=12 m=59
